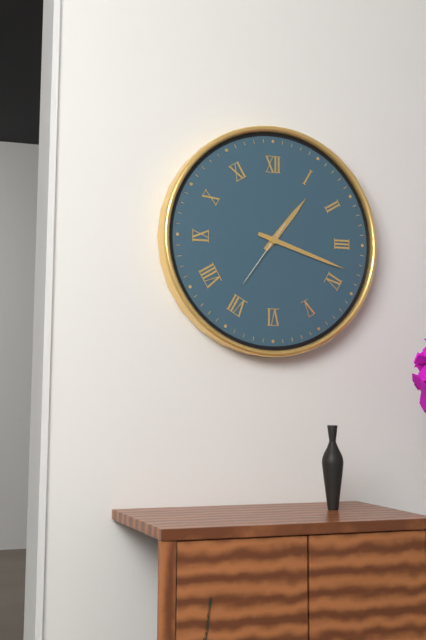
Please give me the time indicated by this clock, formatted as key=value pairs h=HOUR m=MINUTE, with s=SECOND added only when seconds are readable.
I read h=1 m=18 s=36
